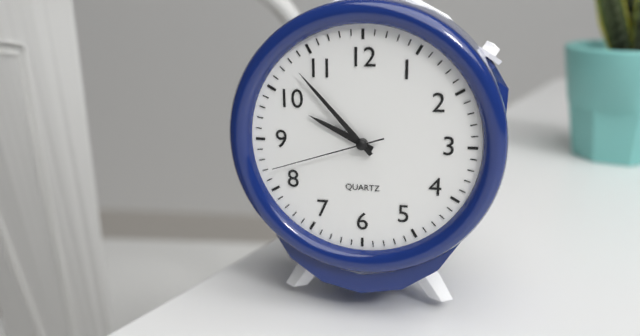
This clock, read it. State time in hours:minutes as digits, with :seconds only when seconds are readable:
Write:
9:53:42
